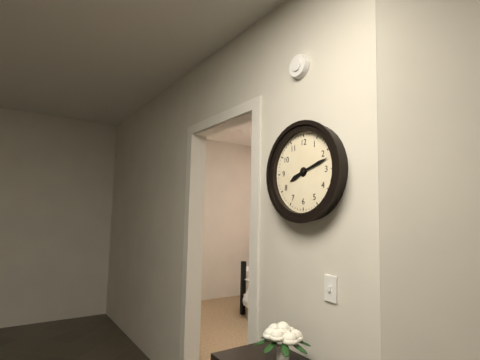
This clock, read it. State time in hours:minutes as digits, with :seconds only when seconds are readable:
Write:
8:12
